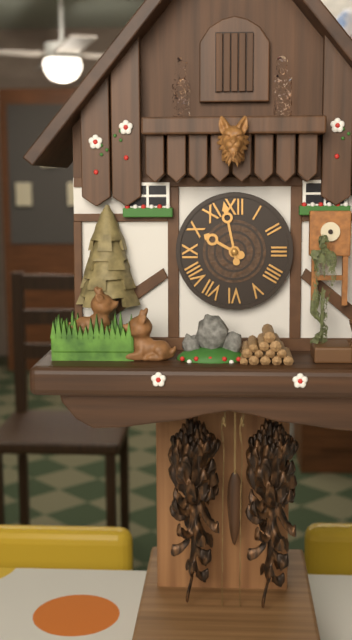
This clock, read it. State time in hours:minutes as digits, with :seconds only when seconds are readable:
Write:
9:58
